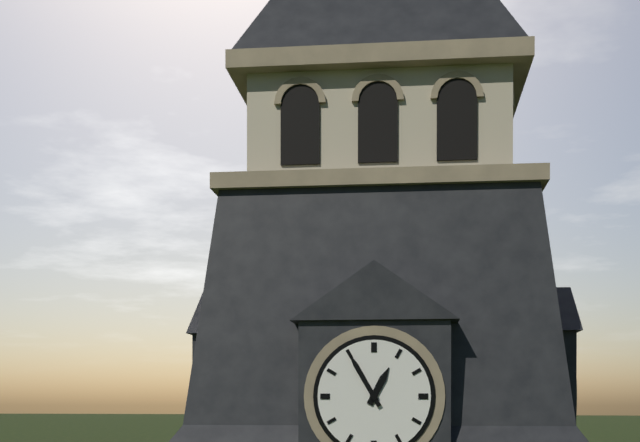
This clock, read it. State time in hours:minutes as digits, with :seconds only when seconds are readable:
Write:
12:55
